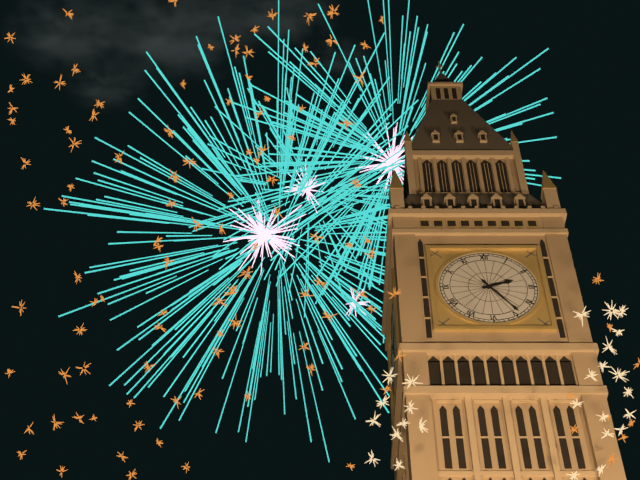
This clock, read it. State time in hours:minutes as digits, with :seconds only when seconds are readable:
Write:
2:24
